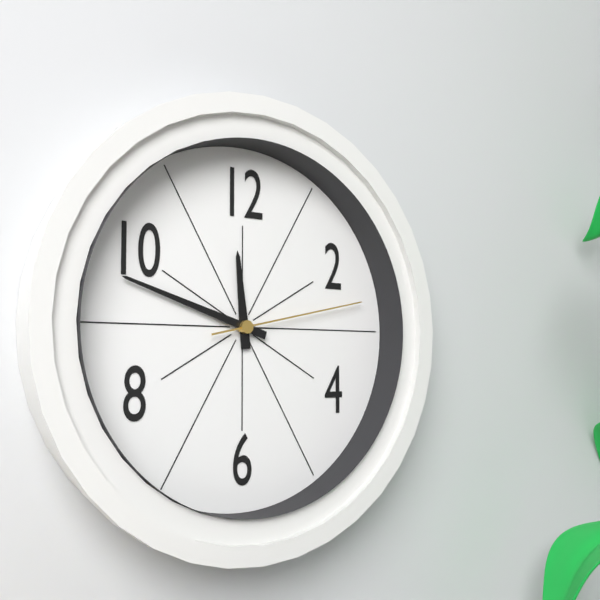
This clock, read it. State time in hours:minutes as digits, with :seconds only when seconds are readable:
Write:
11:48:13
